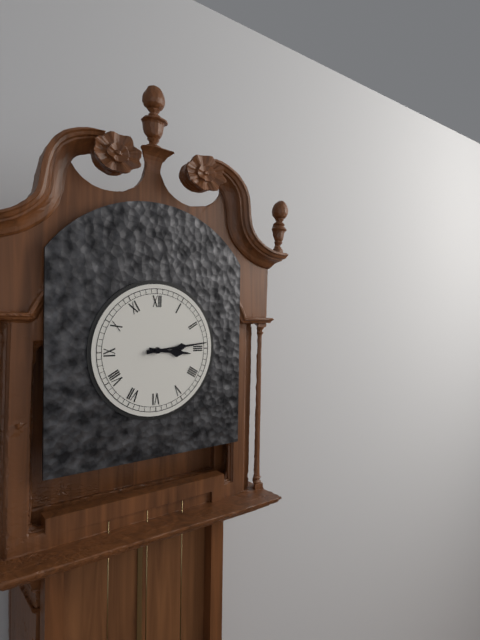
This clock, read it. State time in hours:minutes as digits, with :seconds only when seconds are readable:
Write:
3:14
